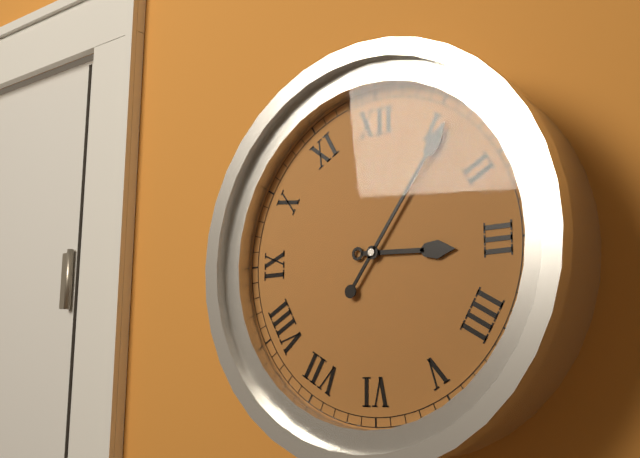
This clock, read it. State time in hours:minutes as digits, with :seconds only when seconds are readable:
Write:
3:06
